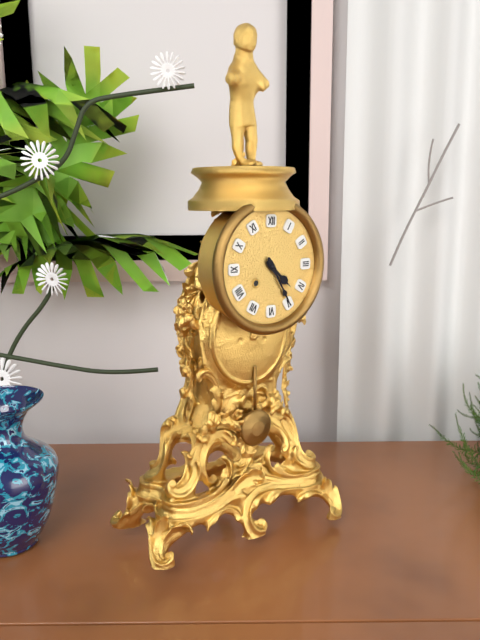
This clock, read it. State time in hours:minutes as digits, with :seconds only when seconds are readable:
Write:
4:25
